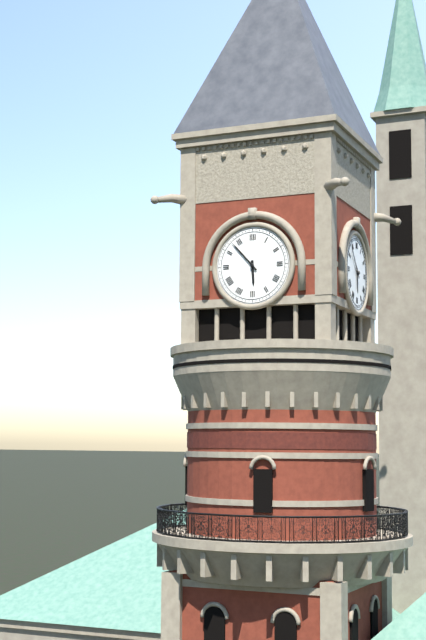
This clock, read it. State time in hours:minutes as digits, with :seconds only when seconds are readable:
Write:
5:53
